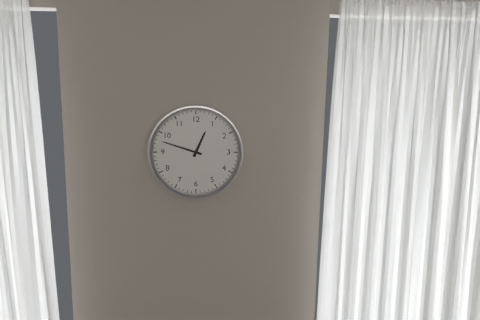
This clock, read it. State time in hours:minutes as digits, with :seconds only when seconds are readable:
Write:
12:48
